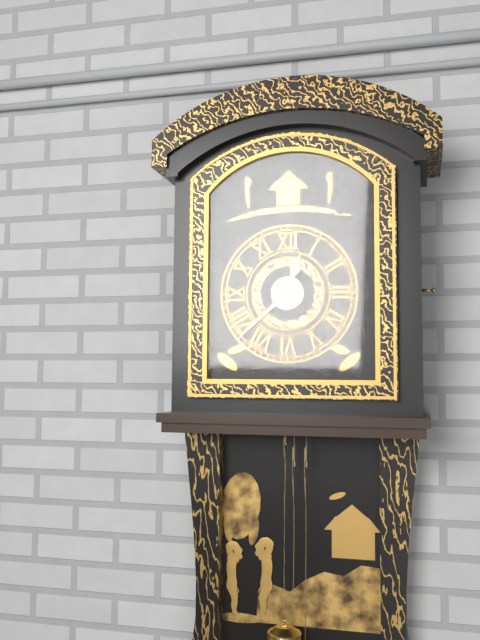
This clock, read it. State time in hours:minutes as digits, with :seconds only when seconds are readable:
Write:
12:38
